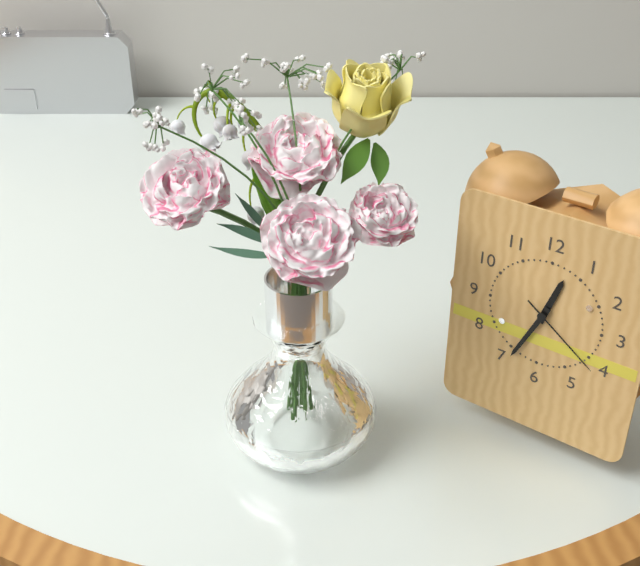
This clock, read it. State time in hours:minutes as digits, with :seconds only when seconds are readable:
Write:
12:34:21
